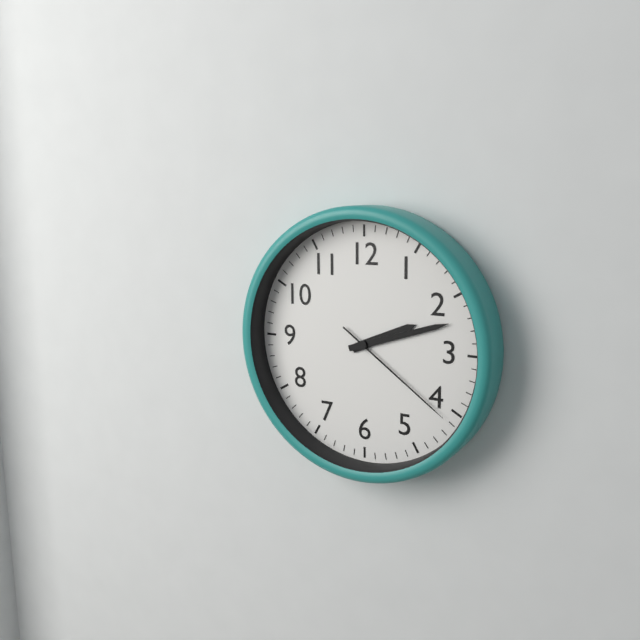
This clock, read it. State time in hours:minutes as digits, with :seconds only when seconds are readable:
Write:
2:12:21
